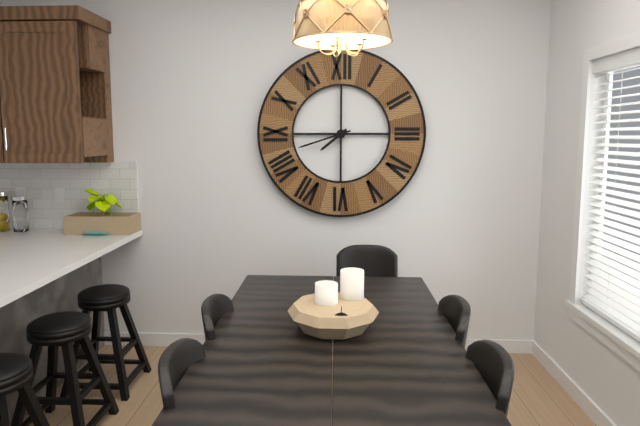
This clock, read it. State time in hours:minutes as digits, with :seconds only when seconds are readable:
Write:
7:42
